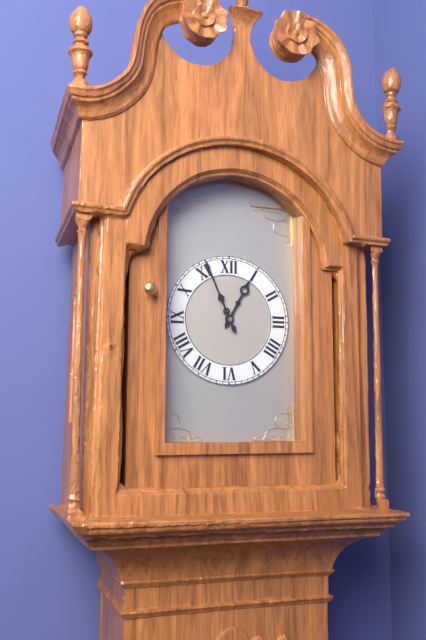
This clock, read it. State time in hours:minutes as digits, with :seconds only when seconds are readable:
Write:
12:56
